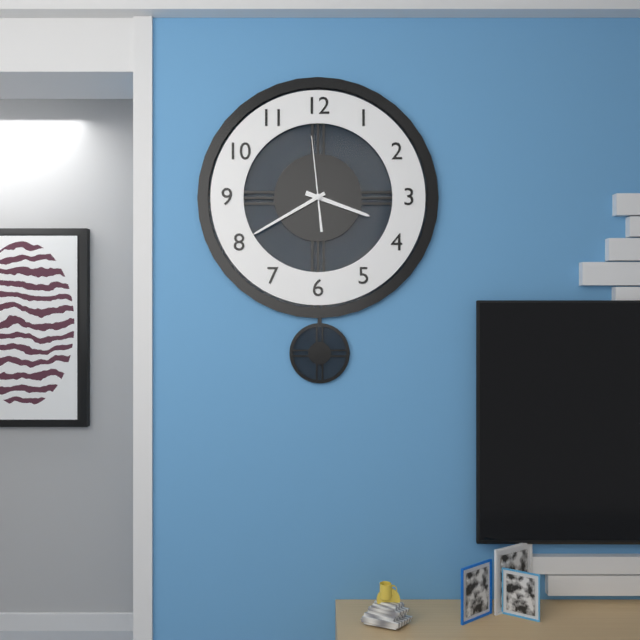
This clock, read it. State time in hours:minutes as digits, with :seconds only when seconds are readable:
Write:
3:40:59
